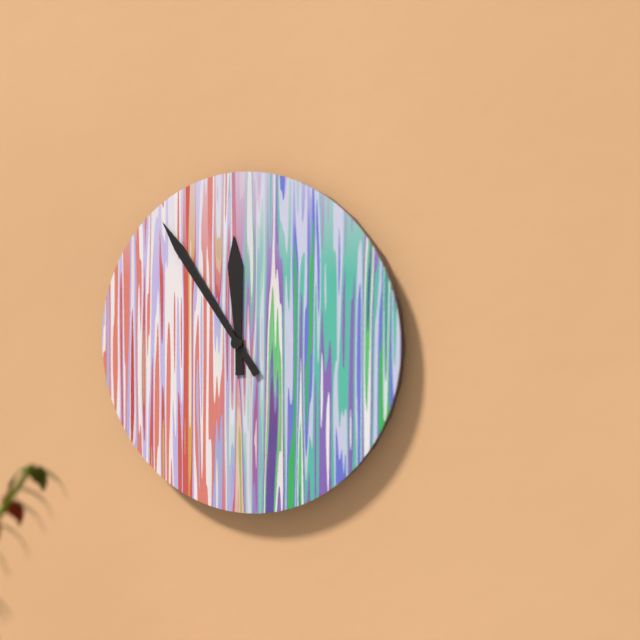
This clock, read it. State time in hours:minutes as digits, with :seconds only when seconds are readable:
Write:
11:54
